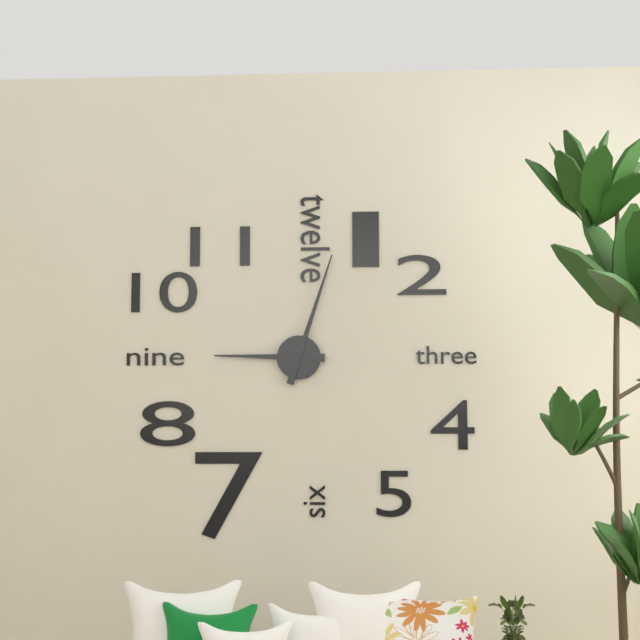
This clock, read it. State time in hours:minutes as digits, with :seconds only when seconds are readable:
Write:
9:03
